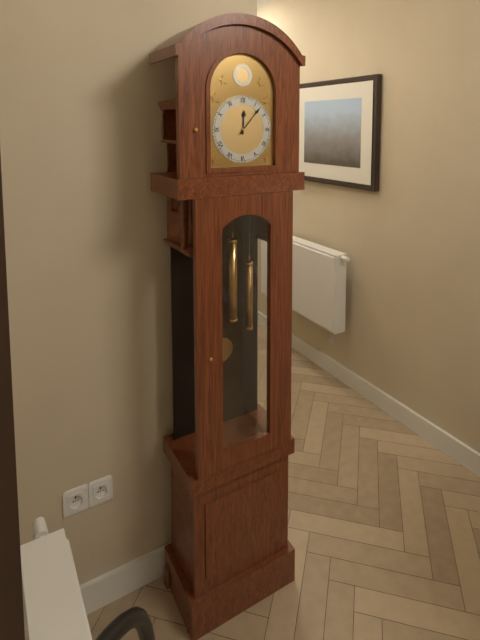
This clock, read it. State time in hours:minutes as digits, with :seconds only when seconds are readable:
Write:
12:07
